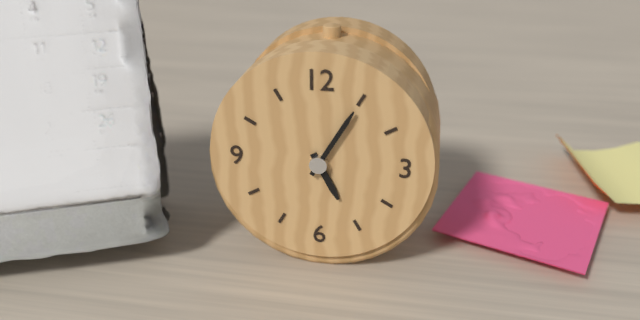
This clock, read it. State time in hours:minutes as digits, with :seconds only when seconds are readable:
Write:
5:05
